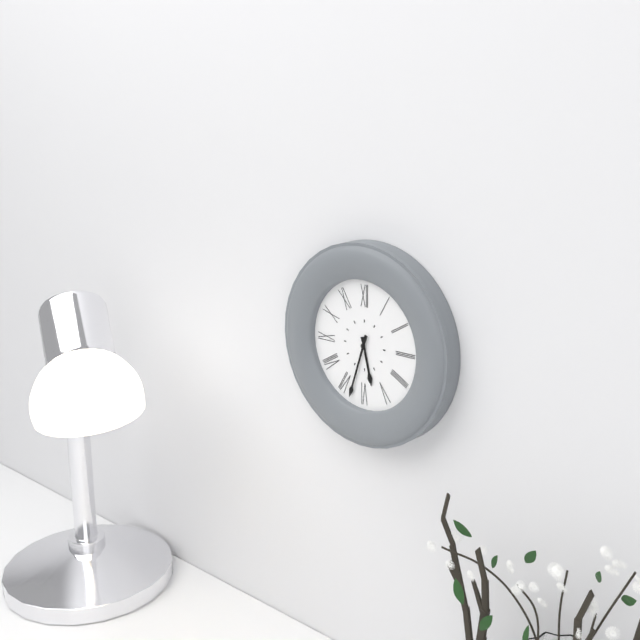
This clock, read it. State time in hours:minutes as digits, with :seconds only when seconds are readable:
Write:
5:33
